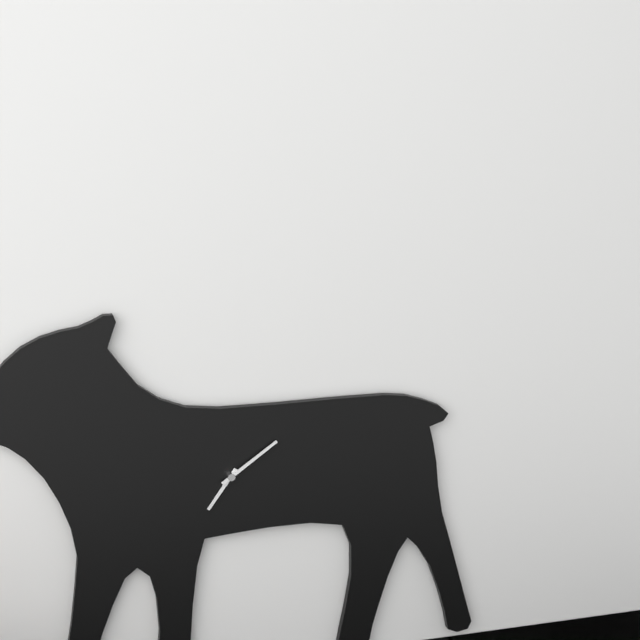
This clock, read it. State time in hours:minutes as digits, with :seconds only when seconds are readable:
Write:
7:09
